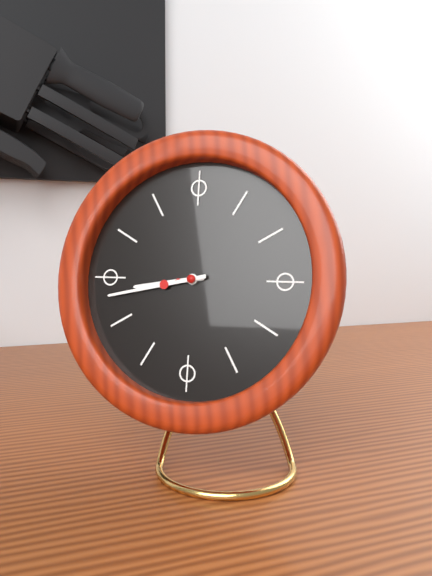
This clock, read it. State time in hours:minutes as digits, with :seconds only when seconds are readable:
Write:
8:43
